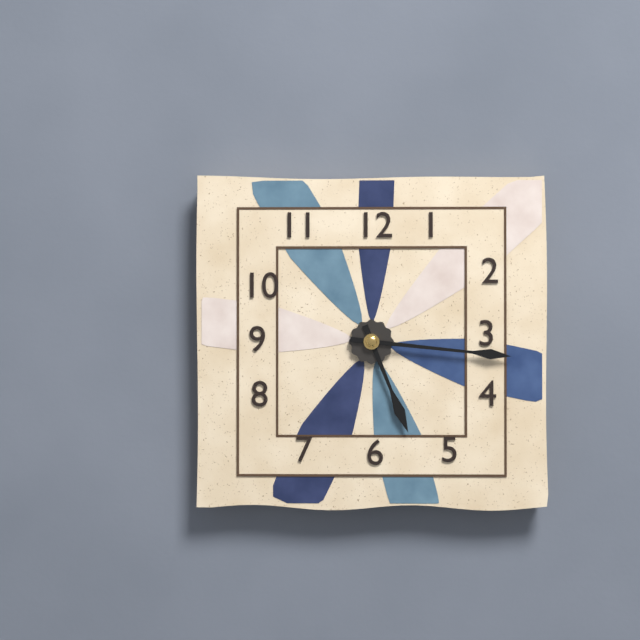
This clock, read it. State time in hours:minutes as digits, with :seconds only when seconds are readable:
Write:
5:16
